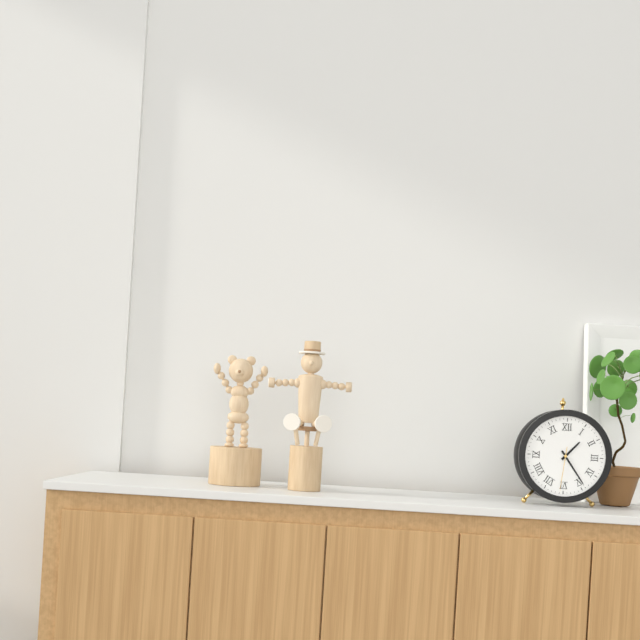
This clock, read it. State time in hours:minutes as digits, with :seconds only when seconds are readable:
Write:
1:24
